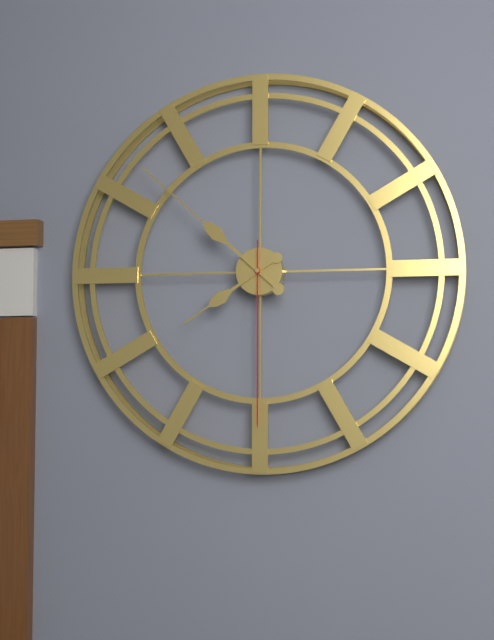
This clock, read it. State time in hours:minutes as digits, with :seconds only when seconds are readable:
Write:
7:52:30
